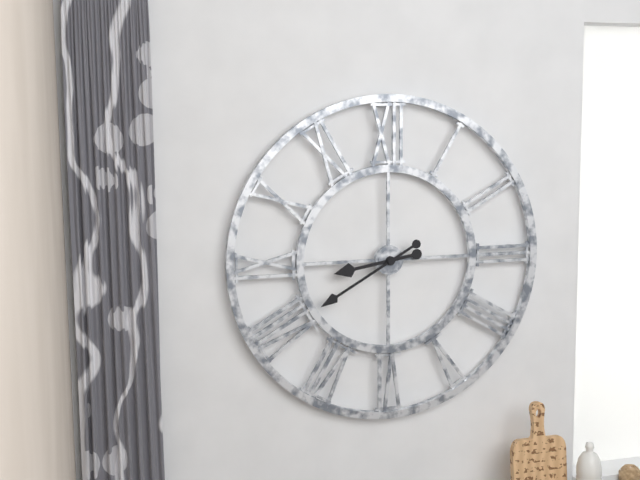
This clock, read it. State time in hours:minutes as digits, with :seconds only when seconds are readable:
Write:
8:40
